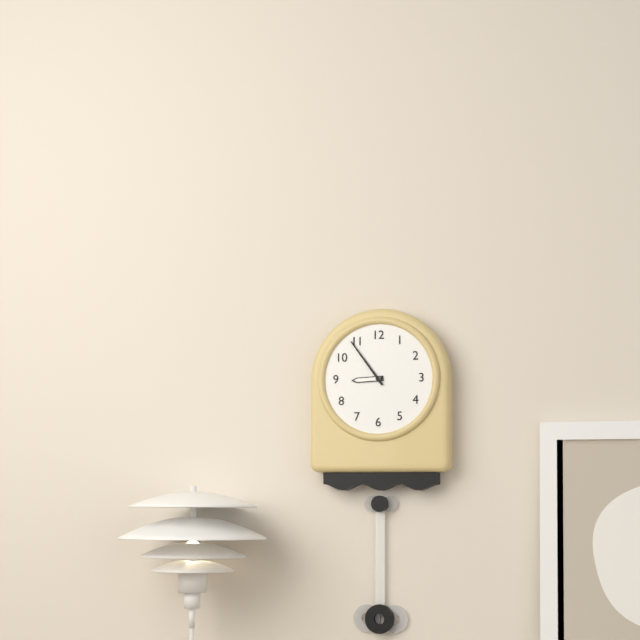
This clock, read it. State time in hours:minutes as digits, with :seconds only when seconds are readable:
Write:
8:54
